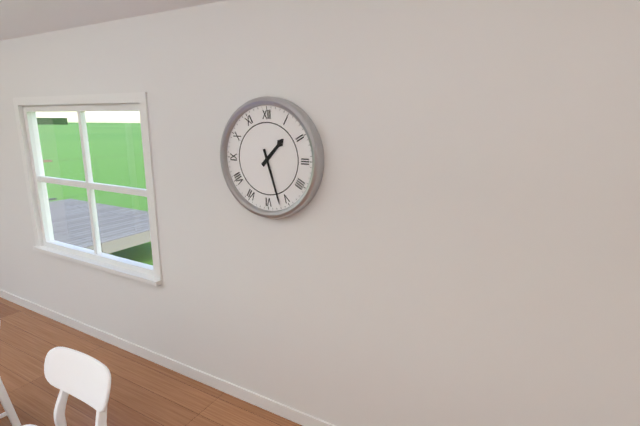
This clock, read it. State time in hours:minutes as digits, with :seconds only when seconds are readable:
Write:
1:27
